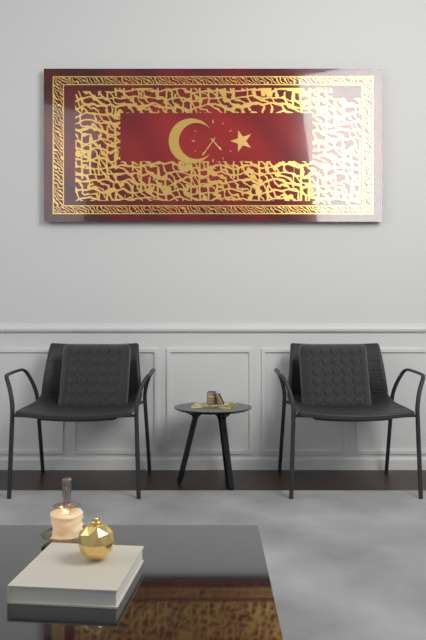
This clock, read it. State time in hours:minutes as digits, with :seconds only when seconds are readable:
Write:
4:36
